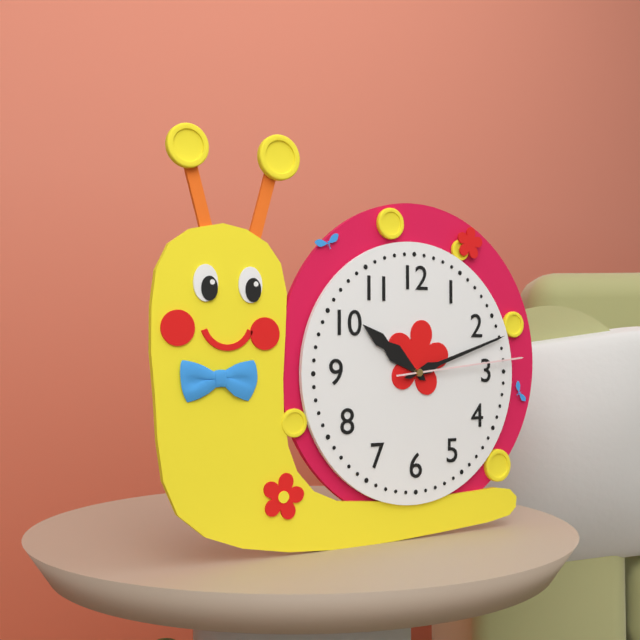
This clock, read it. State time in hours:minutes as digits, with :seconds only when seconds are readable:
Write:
10:12:14
